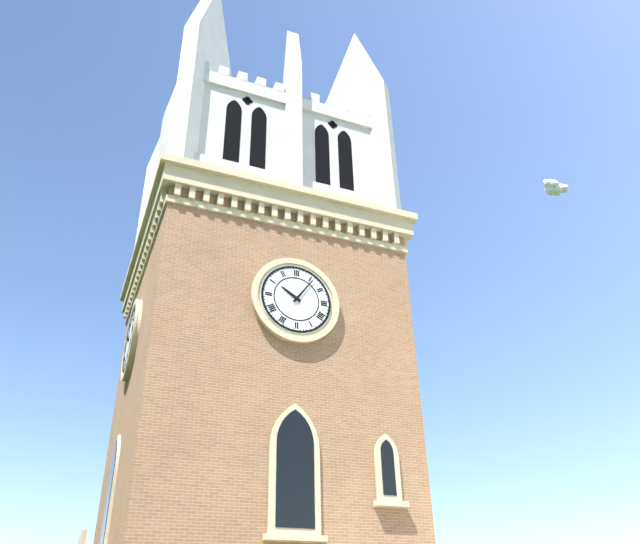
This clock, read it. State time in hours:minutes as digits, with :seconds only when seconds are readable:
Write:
10:06
